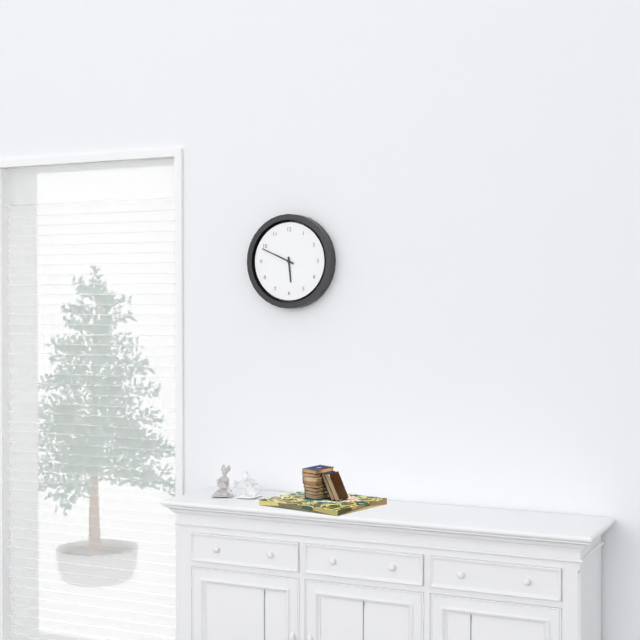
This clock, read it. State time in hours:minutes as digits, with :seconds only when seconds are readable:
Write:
5:49
